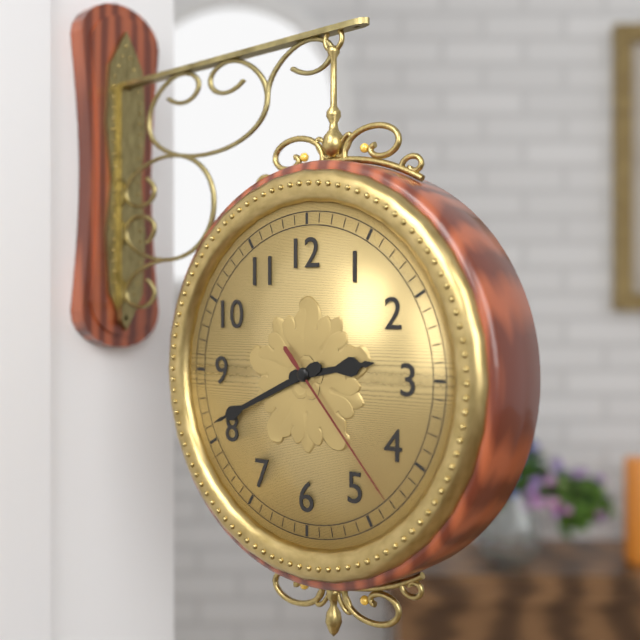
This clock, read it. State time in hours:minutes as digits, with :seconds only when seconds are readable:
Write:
2:41:23
